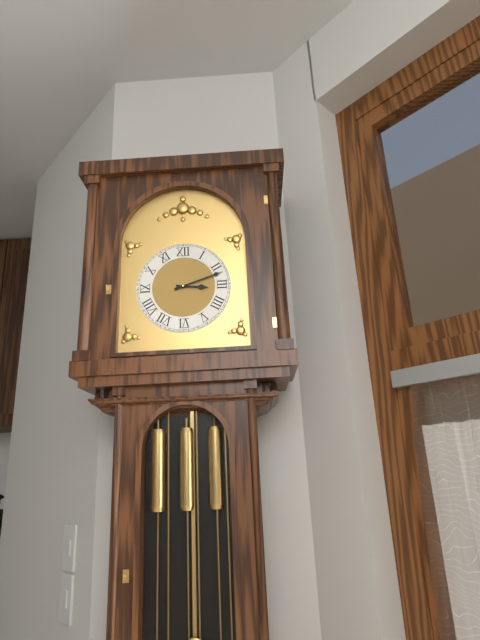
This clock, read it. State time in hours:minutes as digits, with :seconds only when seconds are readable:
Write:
3:12
